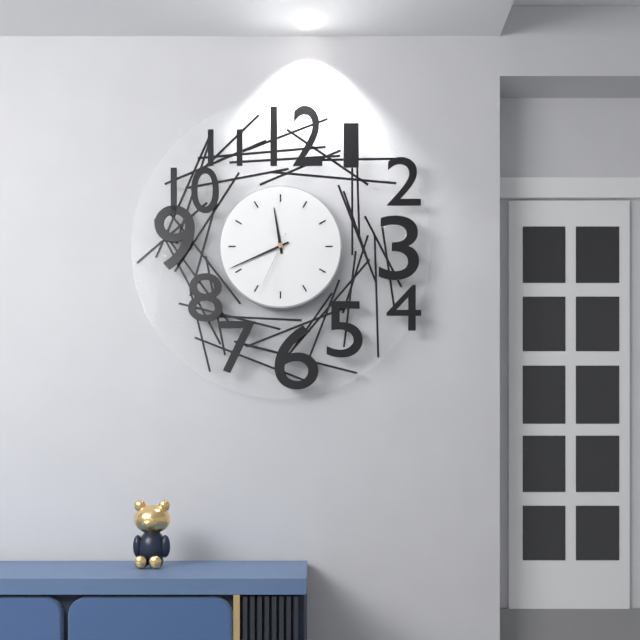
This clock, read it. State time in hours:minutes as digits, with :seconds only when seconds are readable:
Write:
11:41:34
